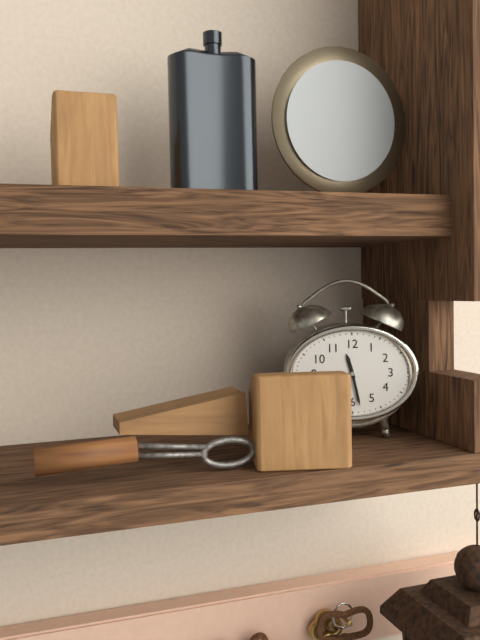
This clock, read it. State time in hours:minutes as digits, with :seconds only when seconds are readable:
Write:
11:28
